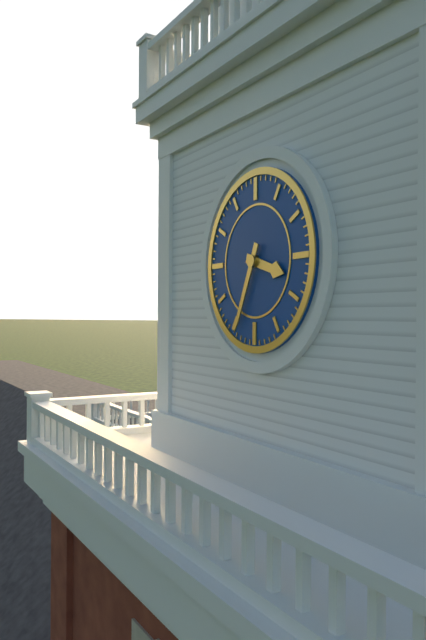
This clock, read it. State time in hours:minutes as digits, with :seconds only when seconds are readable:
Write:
3:34
